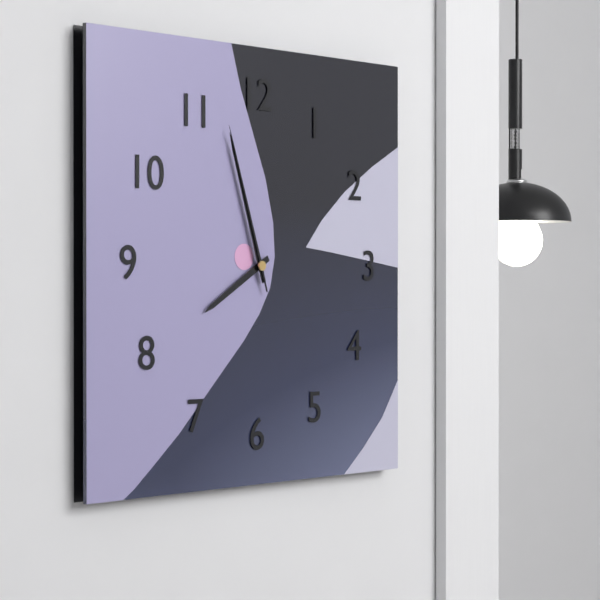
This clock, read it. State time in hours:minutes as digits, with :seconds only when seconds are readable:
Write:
7:57:57
